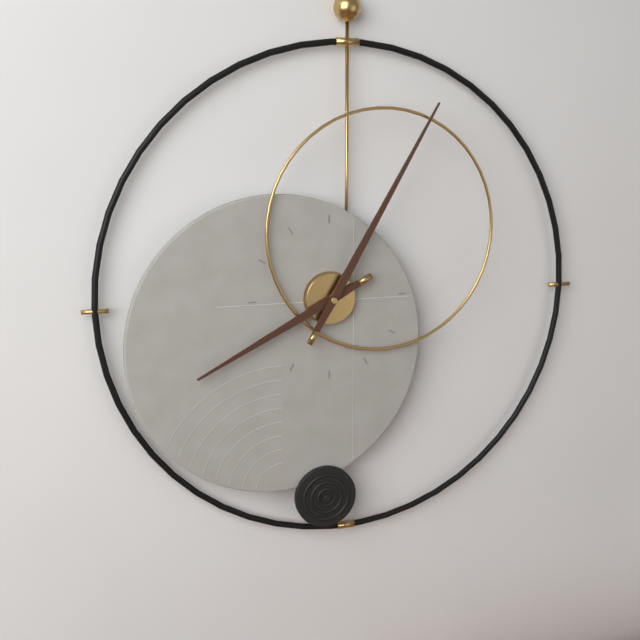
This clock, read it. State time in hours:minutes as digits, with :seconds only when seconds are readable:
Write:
8:05
